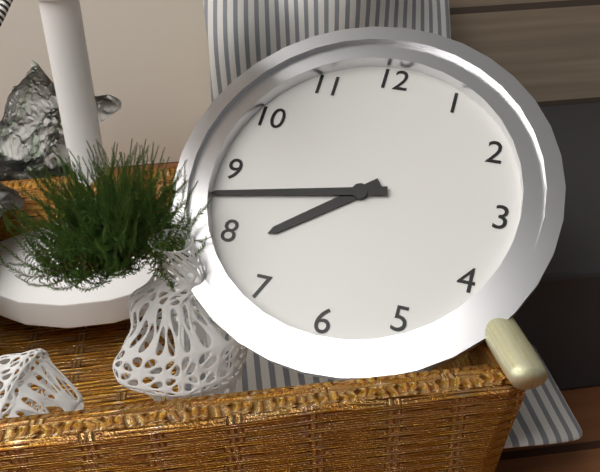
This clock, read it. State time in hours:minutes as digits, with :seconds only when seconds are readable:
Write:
7:43
